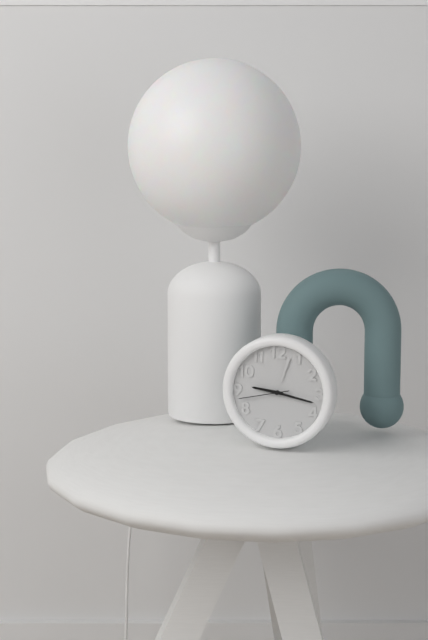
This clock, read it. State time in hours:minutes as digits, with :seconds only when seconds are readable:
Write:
9:17:43
